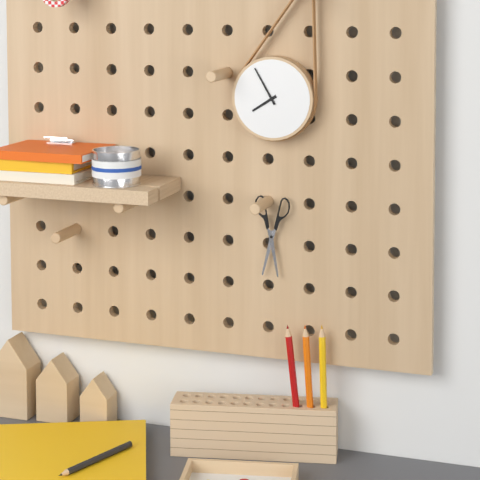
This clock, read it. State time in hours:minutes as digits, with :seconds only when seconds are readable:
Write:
7:55
